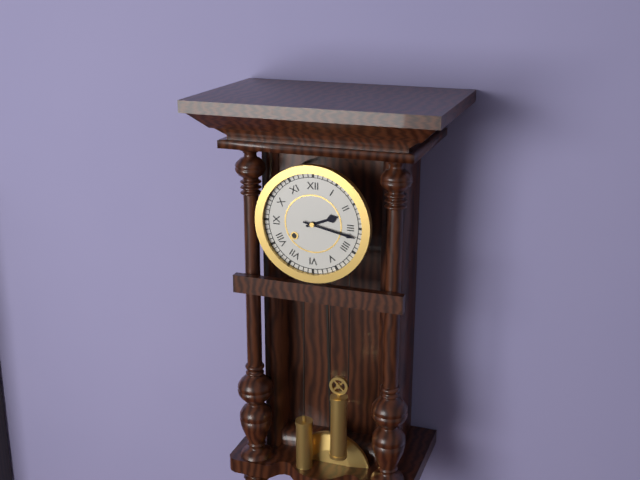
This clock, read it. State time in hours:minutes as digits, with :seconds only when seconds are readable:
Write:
2:17
